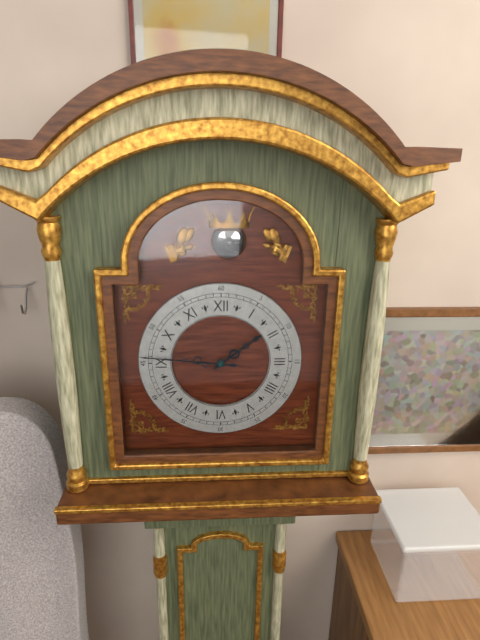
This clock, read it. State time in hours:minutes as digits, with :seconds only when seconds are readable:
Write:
1:46
